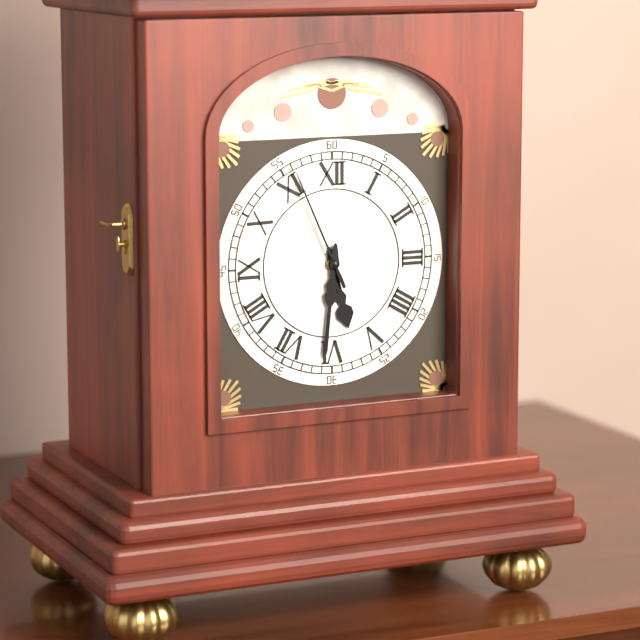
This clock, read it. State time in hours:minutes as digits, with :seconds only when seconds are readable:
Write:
5:31:56
